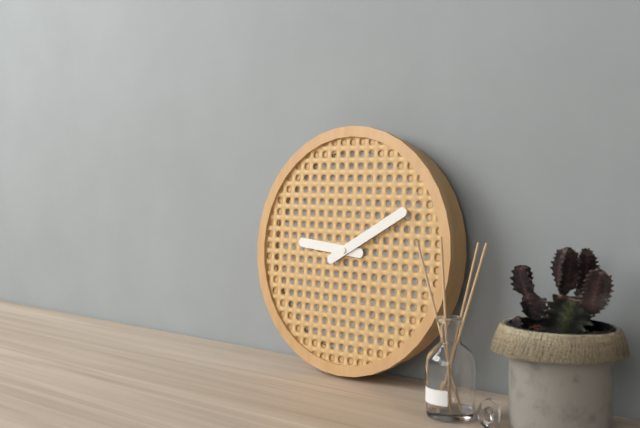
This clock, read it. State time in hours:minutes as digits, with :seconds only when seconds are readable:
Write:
9:10
